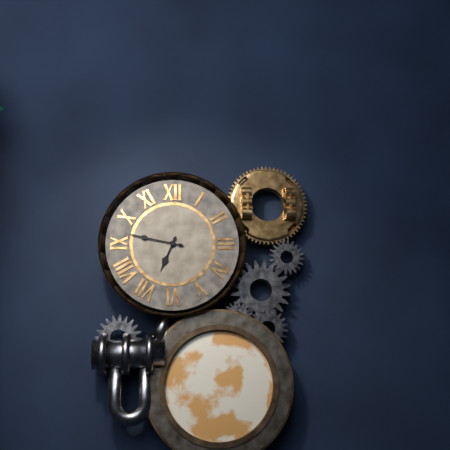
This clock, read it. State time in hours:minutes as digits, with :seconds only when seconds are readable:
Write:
6:47
